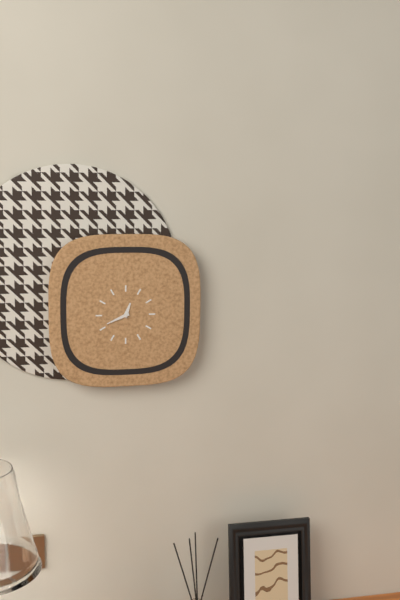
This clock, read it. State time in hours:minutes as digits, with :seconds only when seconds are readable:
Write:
12:41
